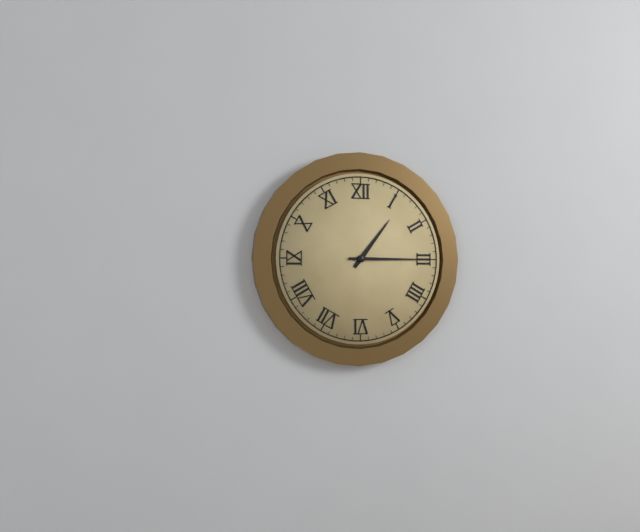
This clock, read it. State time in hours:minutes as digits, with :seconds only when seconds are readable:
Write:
1:15
